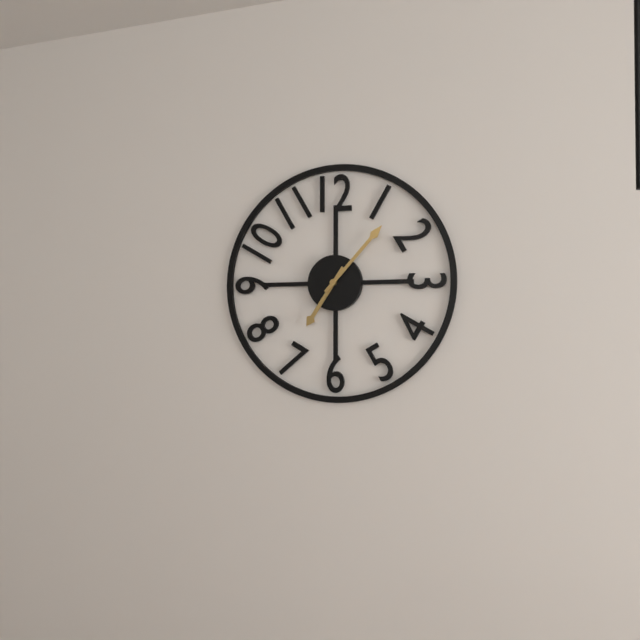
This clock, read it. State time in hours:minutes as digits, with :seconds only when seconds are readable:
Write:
7:07
